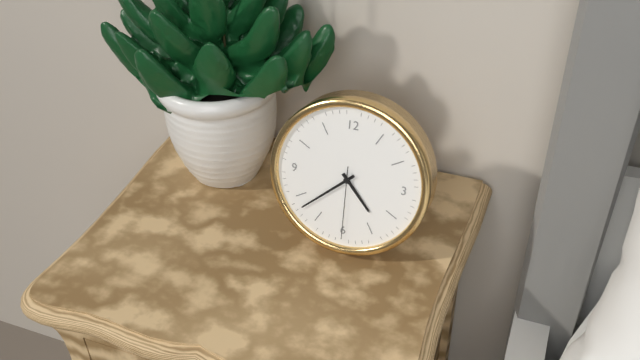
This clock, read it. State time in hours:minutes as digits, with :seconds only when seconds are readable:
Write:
4:38:30
